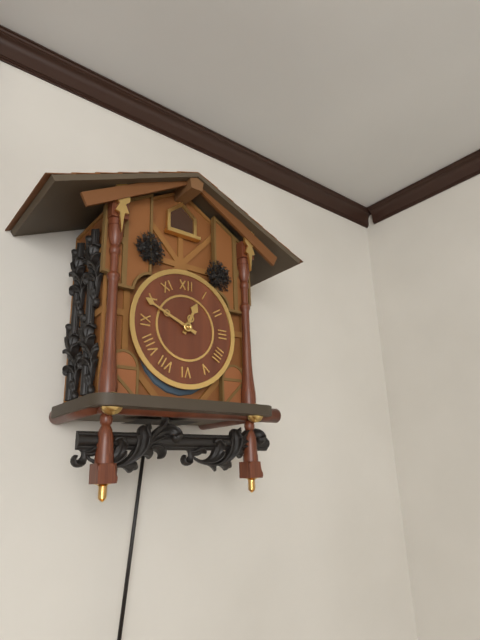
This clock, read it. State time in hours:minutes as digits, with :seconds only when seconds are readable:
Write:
12:49
